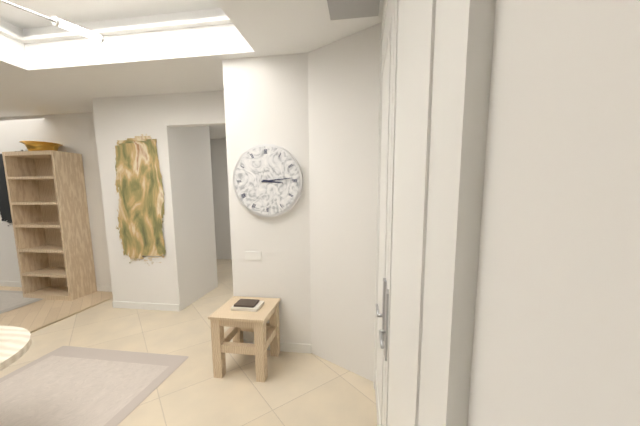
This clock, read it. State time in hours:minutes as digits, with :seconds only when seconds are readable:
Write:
3:14
